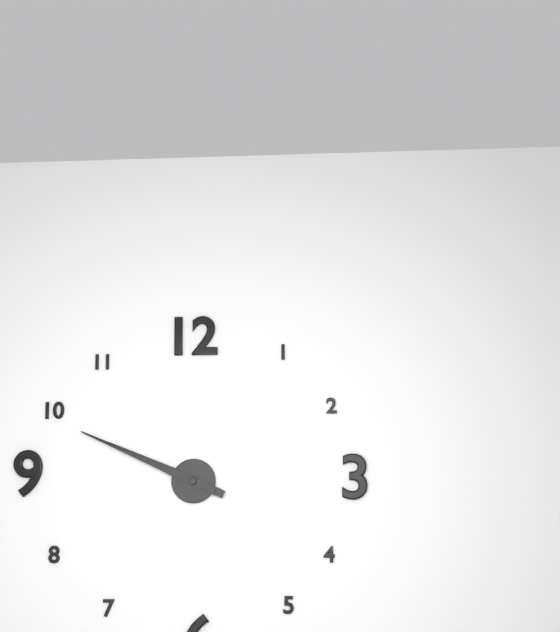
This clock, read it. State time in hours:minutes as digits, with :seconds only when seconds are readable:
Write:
9:49
